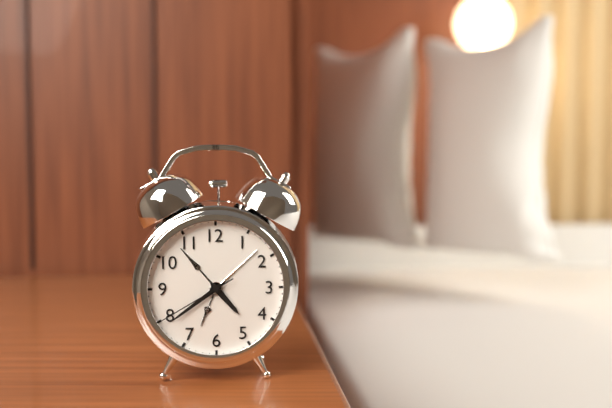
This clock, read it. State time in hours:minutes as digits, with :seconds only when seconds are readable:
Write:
4:39:40
